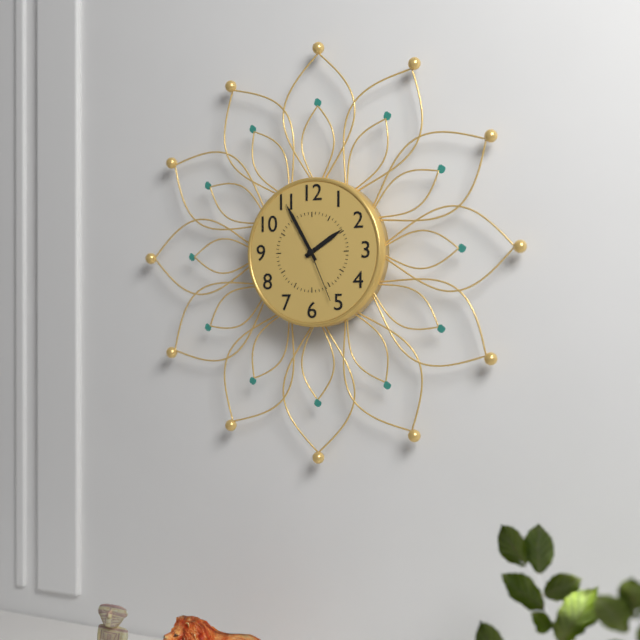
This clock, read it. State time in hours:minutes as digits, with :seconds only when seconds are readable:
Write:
1:55:26
